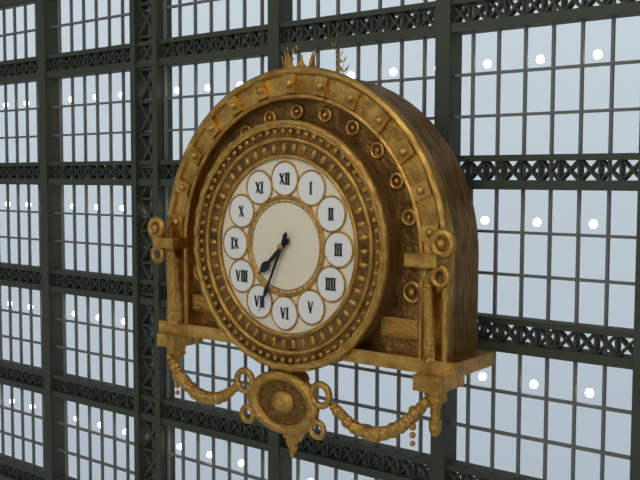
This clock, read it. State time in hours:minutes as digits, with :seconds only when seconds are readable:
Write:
7:34
